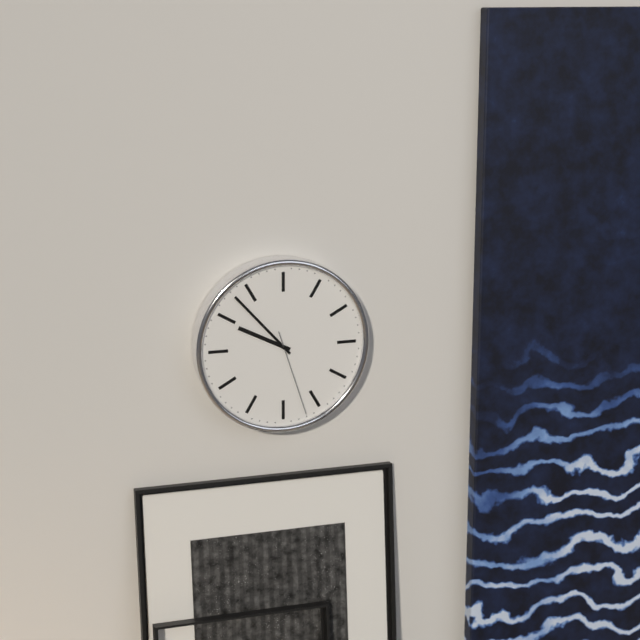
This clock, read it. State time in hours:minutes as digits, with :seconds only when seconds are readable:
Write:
9:53:27
